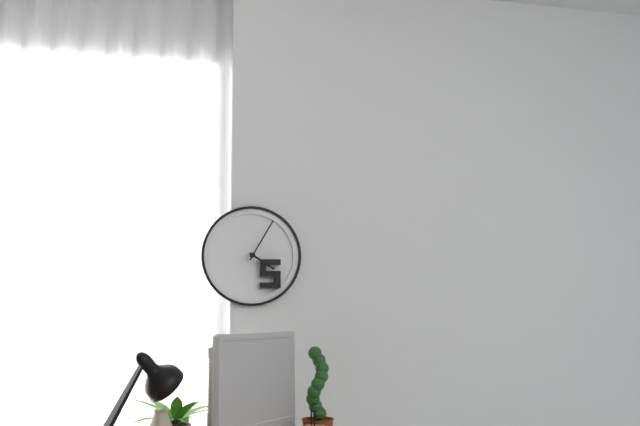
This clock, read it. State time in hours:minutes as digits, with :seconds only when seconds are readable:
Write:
4:05
